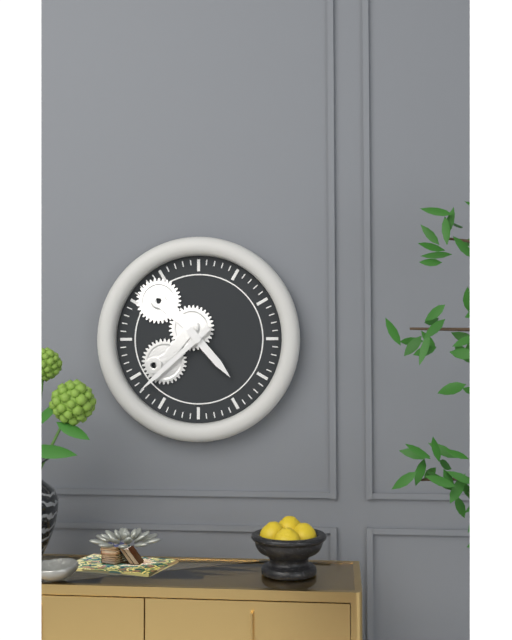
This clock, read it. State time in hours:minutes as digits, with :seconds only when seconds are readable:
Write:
4:38
